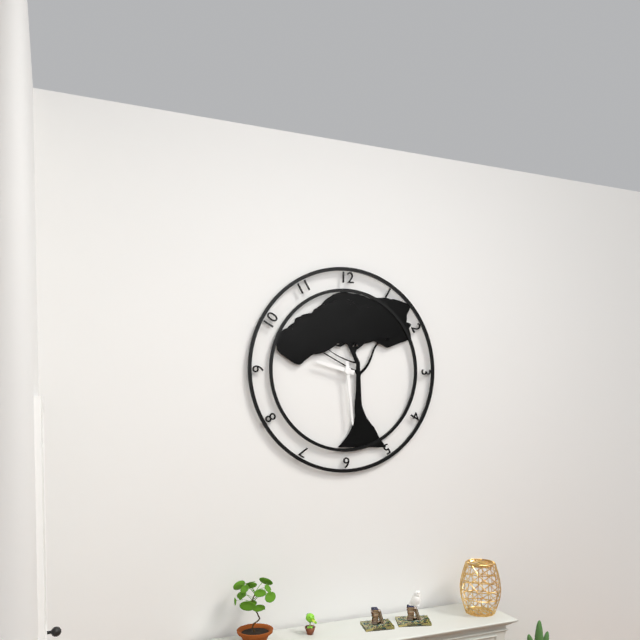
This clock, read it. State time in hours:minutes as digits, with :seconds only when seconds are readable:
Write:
9:29
